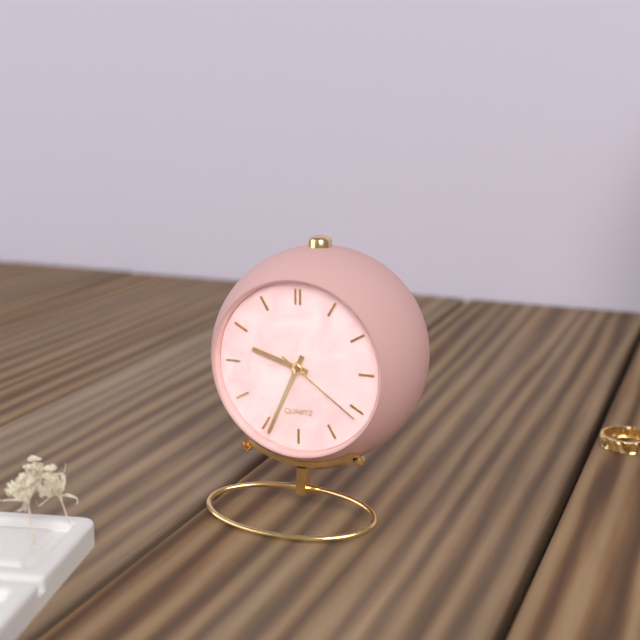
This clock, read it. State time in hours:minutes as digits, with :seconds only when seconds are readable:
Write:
9:34:21
